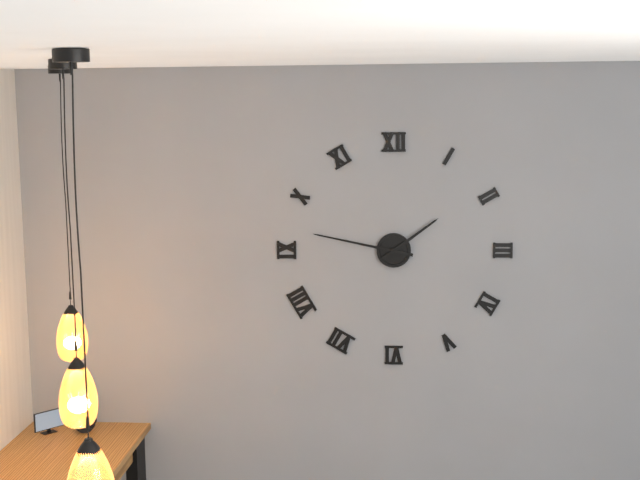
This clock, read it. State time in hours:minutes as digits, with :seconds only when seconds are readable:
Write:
1:47
